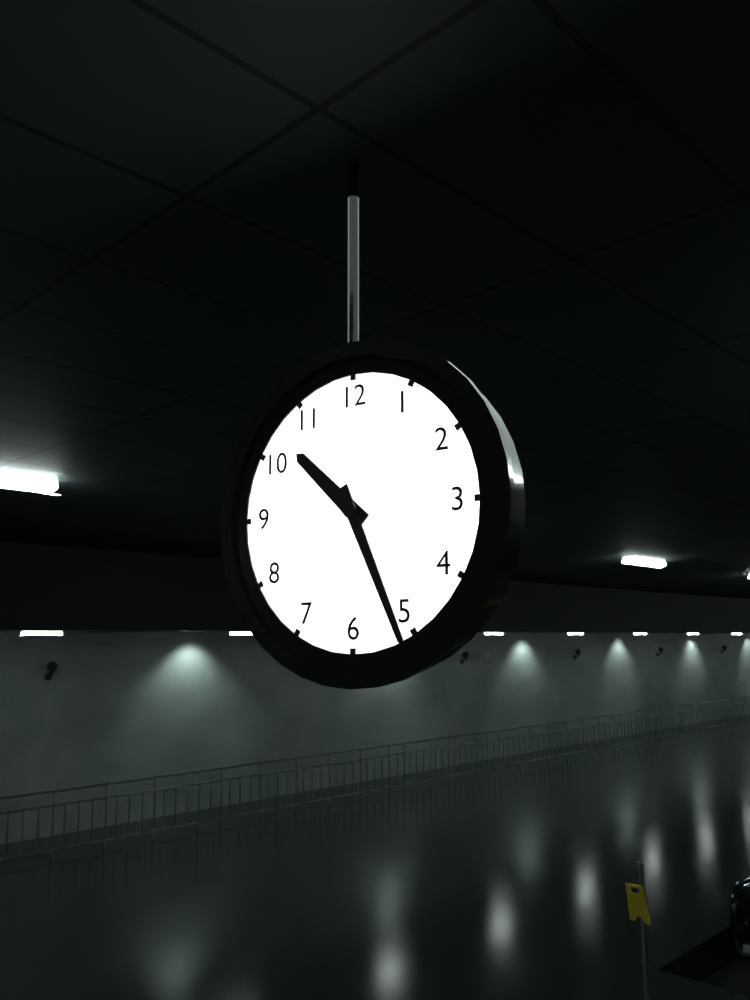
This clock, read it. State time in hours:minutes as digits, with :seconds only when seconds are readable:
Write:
10:26
